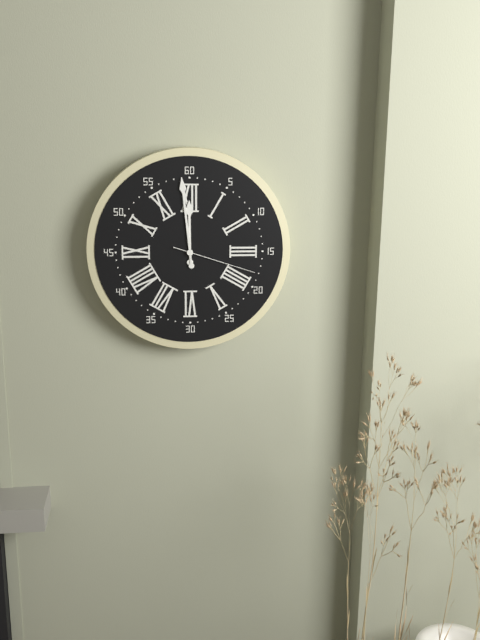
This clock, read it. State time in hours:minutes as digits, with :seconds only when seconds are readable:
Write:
11:59:18
